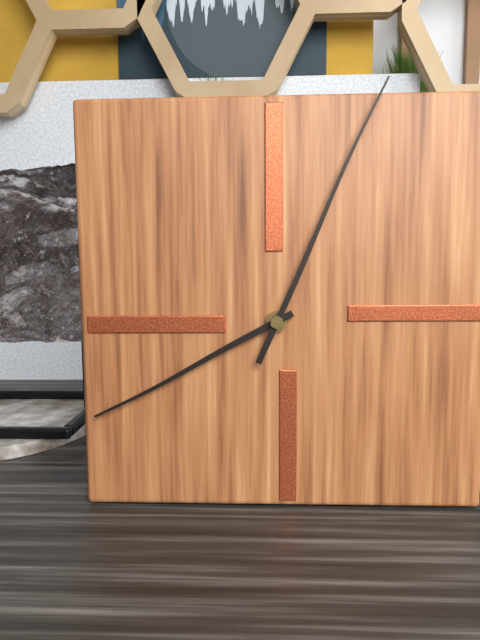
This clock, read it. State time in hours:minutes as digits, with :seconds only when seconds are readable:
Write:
8:04
